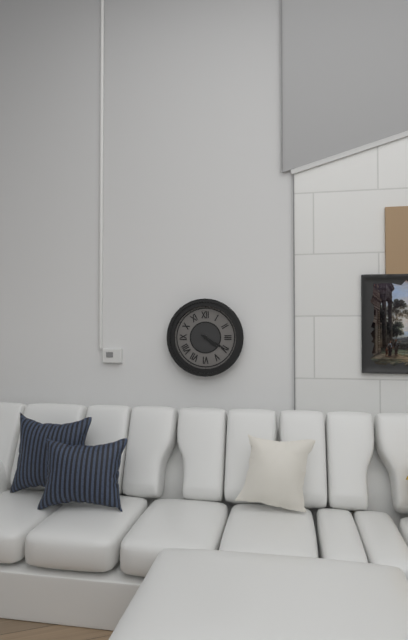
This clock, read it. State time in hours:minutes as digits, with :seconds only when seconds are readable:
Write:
4:20
